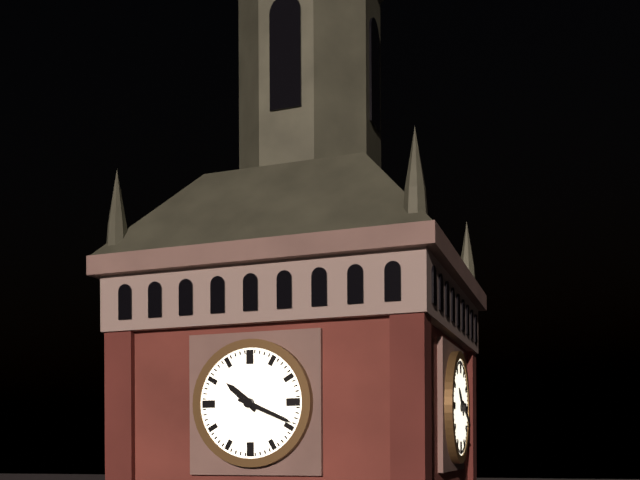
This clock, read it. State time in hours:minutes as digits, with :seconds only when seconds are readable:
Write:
10:19
